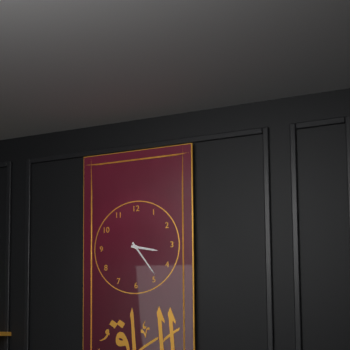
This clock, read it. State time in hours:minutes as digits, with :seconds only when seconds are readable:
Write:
3:24
